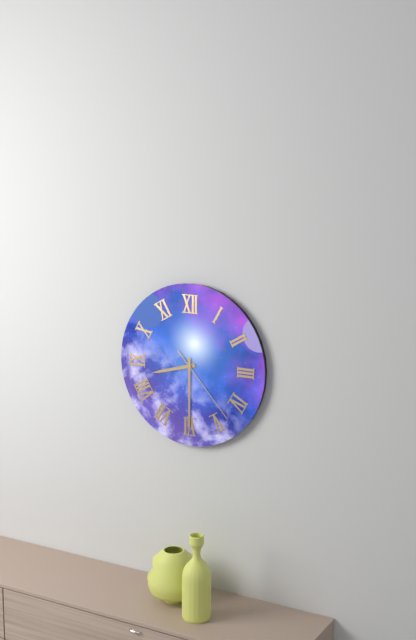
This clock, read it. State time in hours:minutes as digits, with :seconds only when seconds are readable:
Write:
8:30:23
